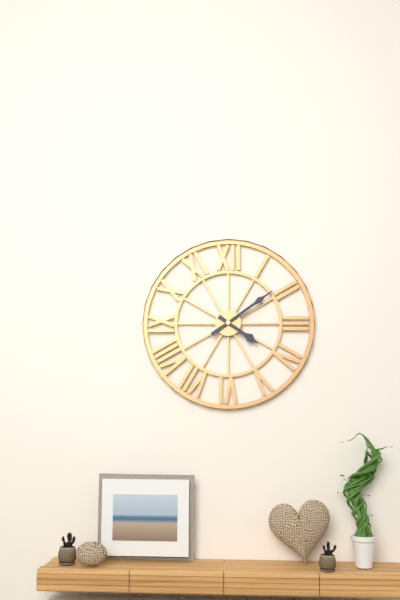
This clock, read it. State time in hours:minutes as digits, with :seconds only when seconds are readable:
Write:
4:09
